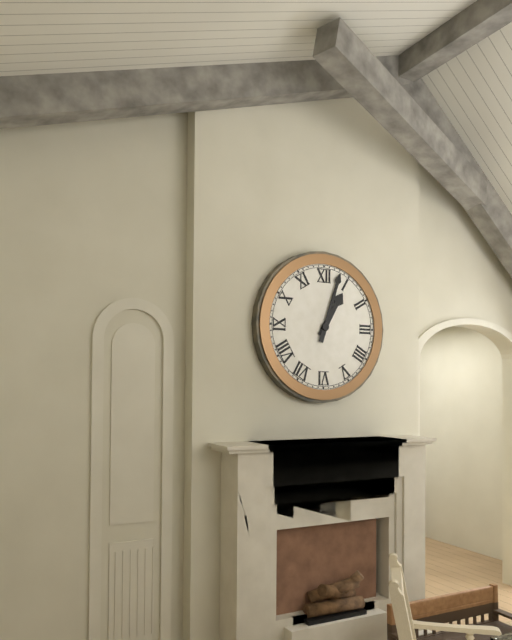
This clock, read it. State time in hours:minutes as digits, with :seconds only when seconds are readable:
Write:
1:03
